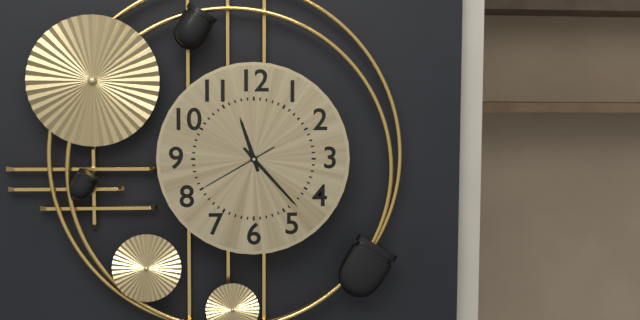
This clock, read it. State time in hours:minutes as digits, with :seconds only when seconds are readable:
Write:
11:23:40
